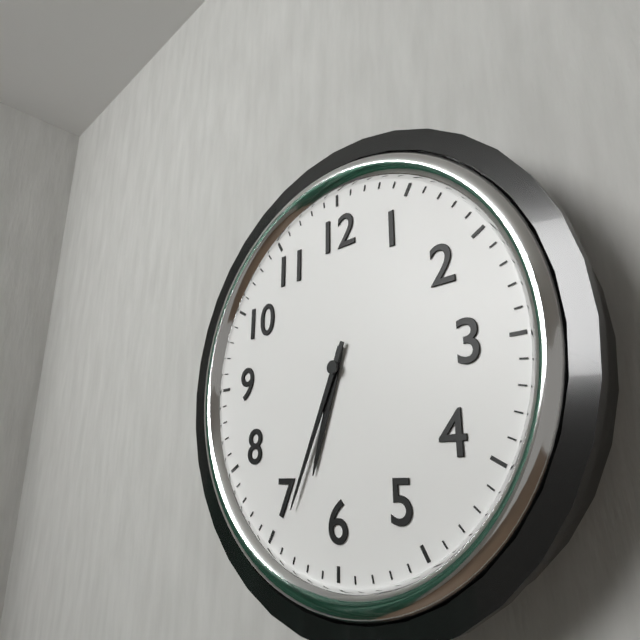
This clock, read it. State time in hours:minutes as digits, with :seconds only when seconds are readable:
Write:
6:34
